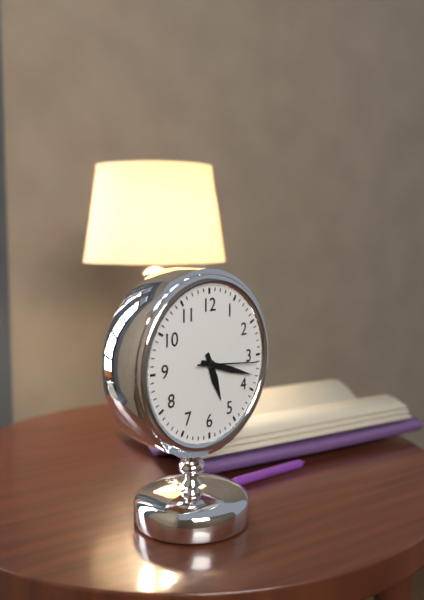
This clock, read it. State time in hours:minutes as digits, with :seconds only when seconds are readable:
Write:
5:18:16
